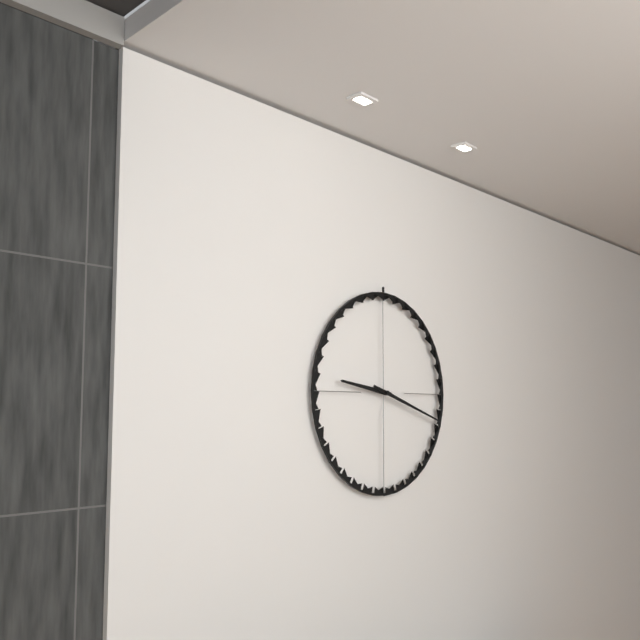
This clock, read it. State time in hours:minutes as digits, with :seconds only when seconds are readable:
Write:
9:18
